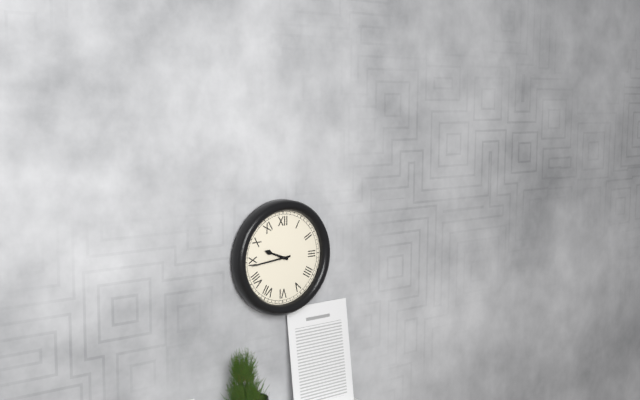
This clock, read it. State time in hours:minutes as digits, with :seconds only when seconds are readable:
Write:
9:44
